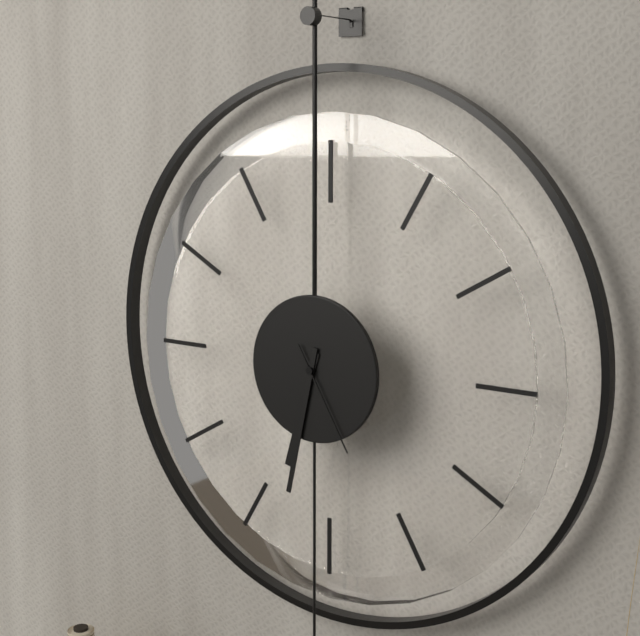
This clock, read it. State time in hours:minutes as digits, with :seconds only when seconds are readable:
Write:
6:32:25
